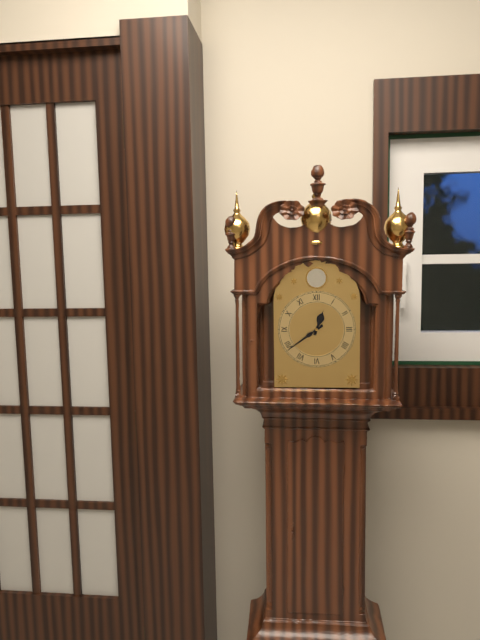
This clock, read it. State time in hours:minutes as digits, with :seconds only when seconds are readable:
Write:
12:39
